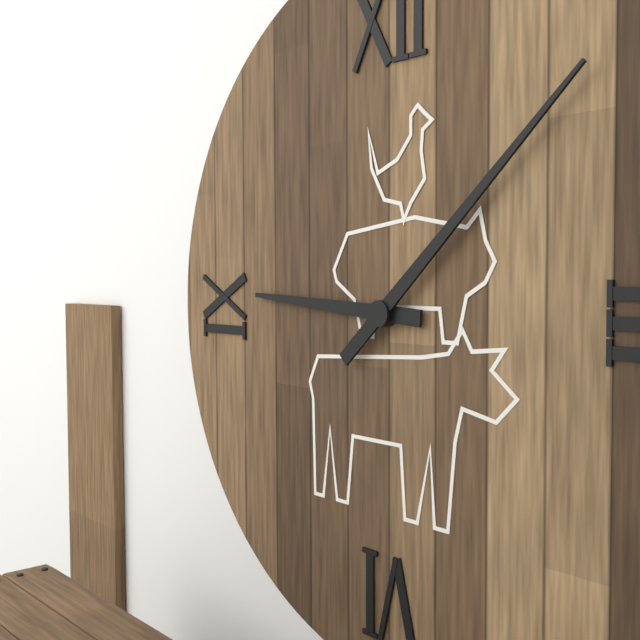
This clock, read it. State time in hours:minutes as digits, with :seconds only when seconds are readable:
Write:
9:08
